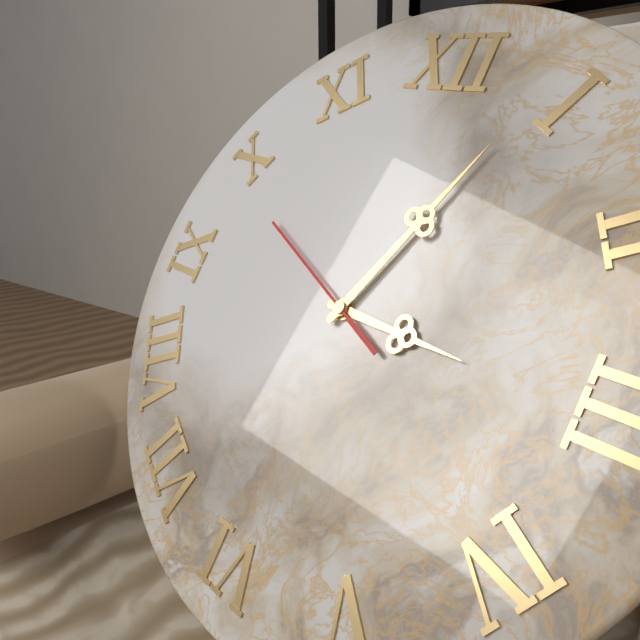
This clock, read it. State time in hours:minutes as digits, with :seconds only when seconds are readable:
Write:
3:04:49
